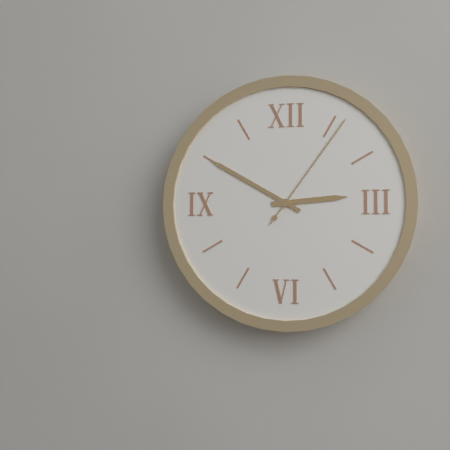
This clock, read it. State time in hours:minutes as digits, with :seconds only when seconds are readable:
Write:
2:50:06
